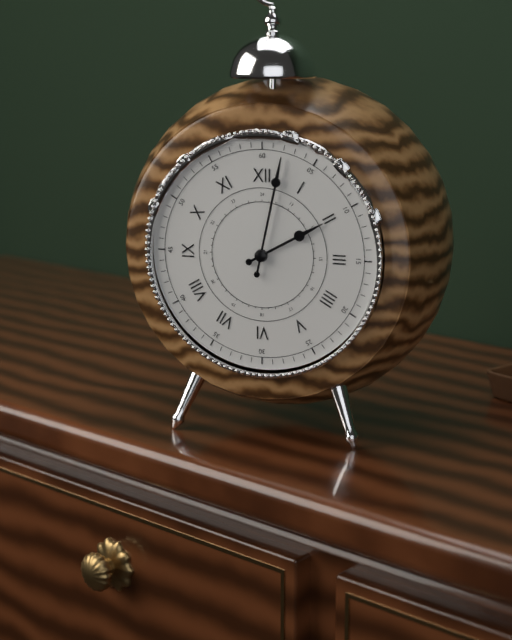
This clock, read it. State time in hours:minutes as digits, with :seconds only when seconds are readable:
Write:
2:02
